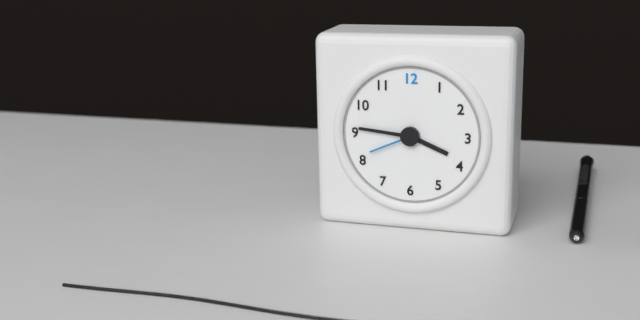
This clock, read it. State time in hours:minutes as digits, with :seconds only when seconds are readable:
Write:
3:46:41
